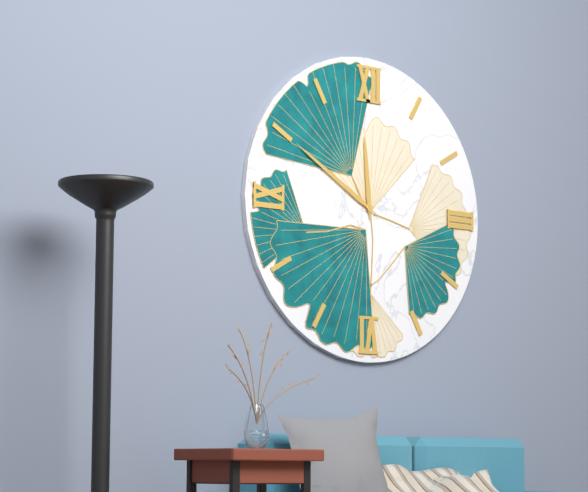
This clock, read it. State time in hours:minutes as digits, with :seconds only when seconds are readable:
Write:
11:50
